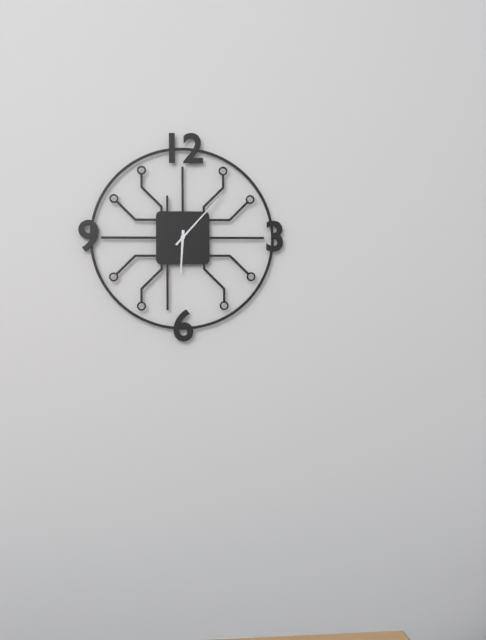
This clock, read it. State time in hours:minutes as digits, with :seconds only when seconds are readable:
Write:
6:07
